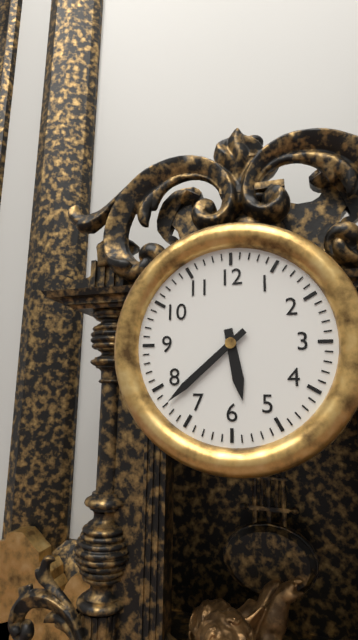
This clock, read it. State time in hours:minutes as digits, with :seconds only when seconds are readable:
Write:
5:38
